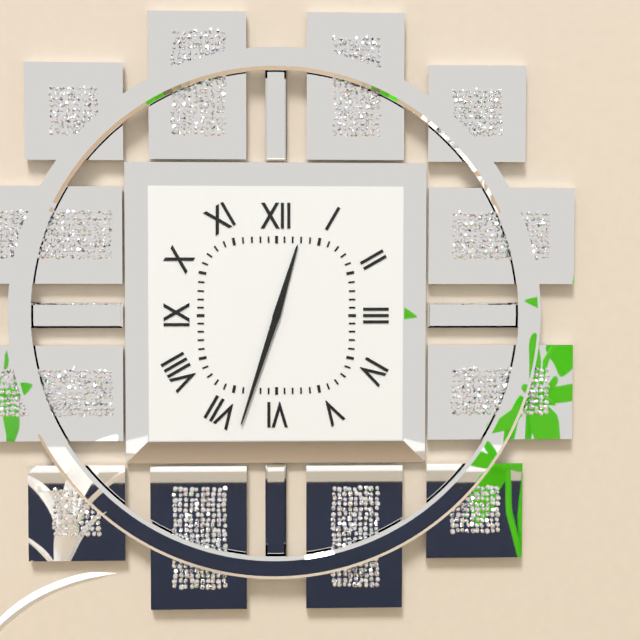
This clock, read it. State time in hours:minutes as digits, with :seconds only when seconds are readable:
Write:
12:33
